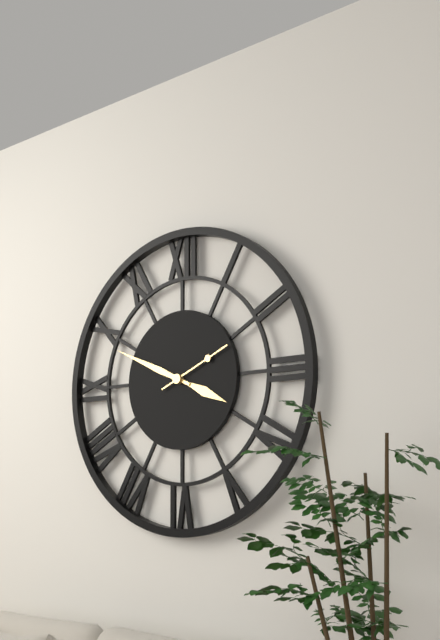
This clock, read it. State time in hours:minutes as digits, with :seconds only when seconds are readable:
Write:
3:49:11
